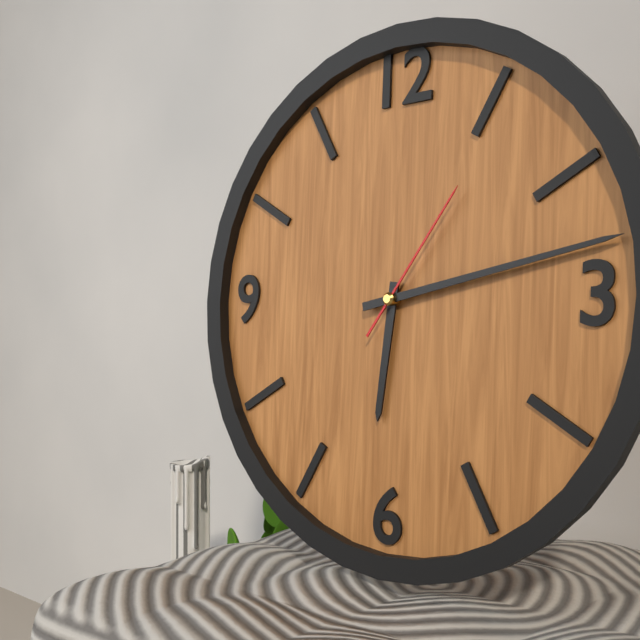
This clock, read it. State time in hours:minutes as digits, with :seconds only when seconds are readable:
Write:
6:13:06
